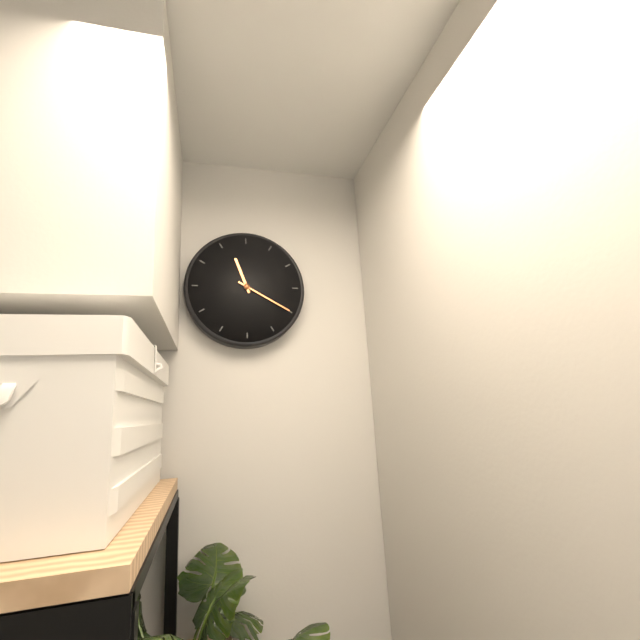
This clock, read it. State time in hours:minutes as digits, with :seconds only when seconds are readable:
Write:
11:20
